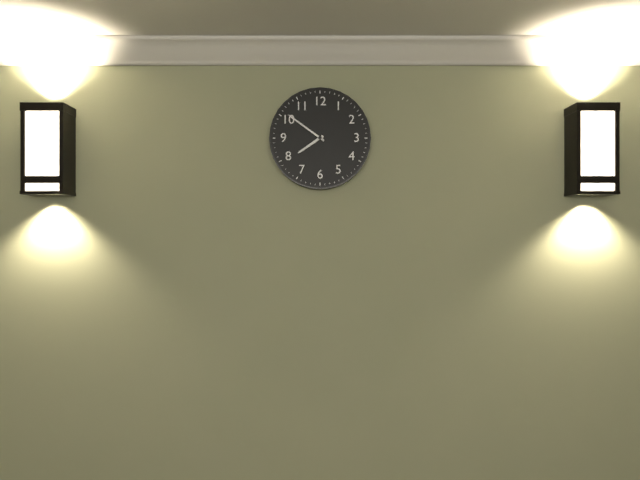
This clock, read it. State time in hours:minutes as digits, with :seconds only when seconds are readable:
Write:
7:51
